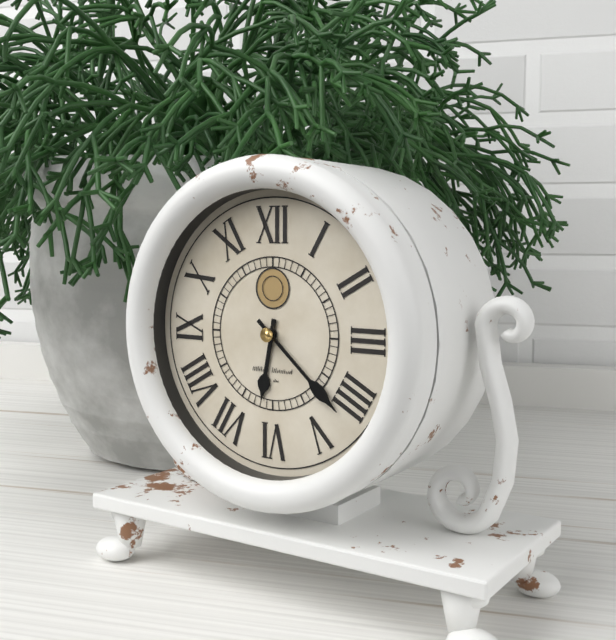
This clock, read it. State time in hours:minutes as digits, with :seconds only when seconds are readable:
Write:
6:22
